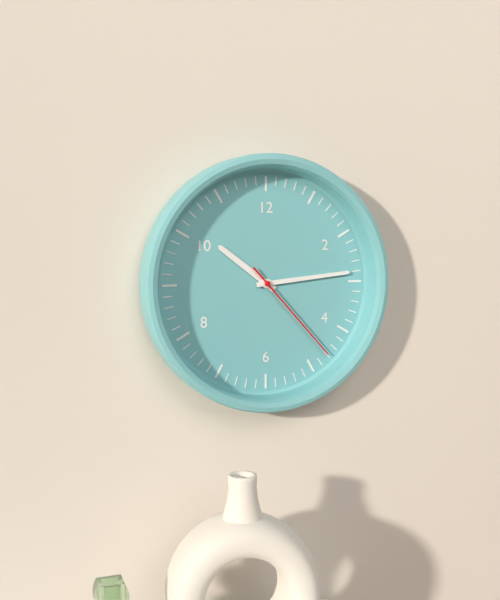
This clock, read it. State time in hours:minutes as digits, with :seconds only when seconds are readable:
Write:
10:14:23
